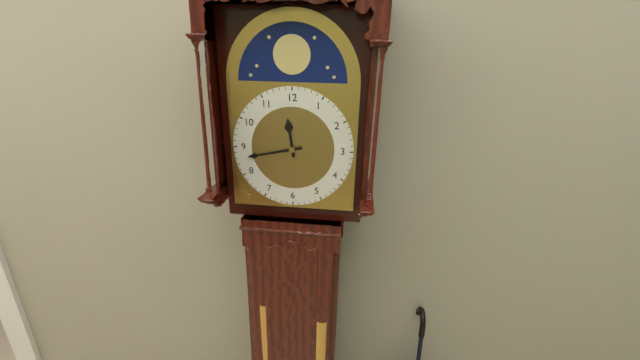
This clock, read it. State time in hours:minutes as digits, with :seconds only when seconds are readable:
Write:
11:43
